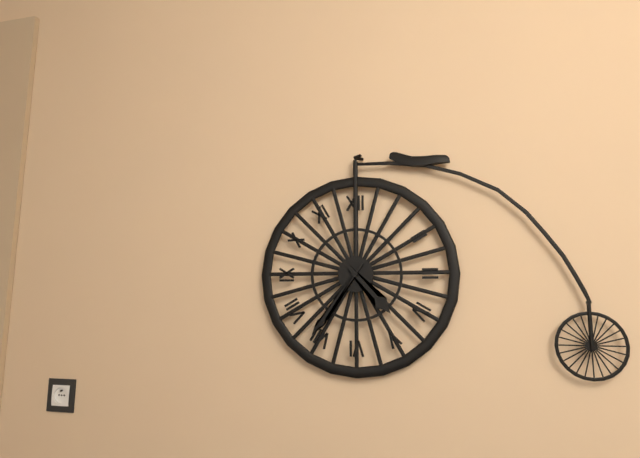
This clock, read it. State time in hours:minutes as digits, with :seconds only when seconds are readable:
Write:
4:36
